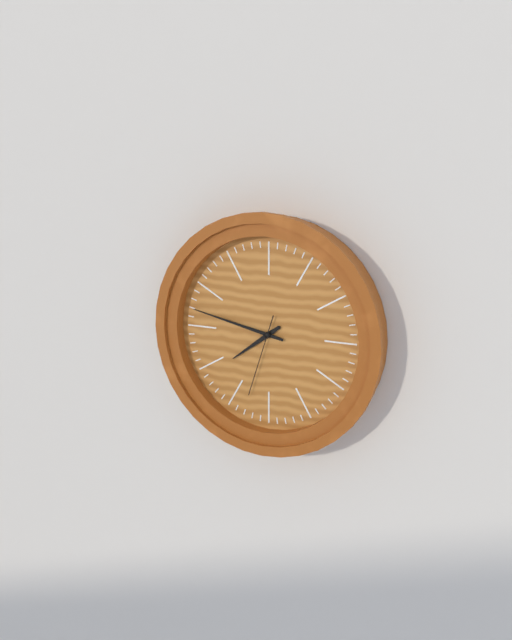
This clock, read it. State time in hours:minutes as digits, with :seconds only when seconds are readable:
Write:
7:47:33
